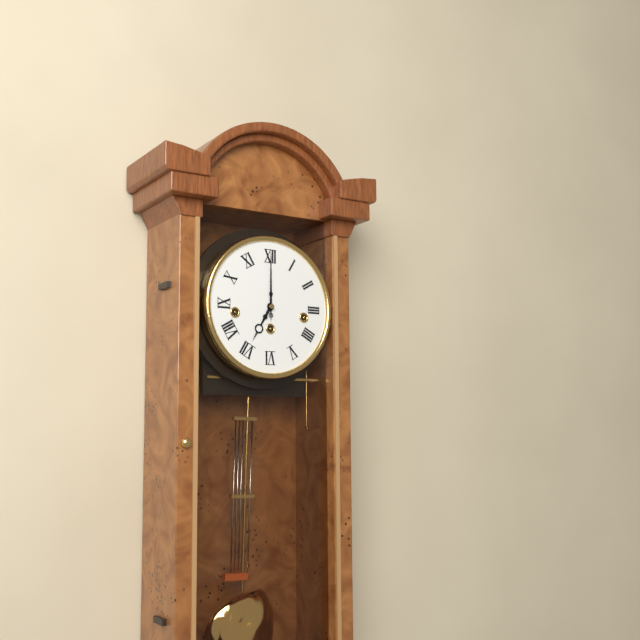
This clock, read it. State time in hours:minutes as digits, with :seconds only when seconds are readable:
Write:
7:00
